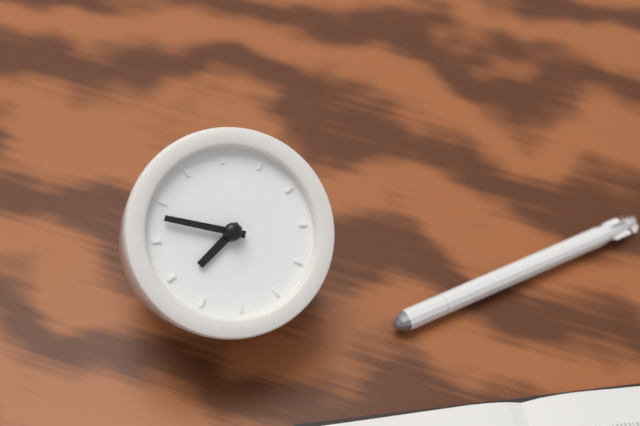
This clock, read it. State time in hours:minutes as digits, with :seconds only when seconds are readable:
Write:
6:43
